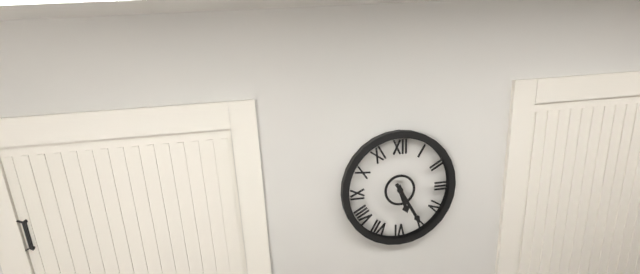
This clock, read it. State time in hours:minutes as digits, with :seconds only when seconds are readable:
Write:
5:25
